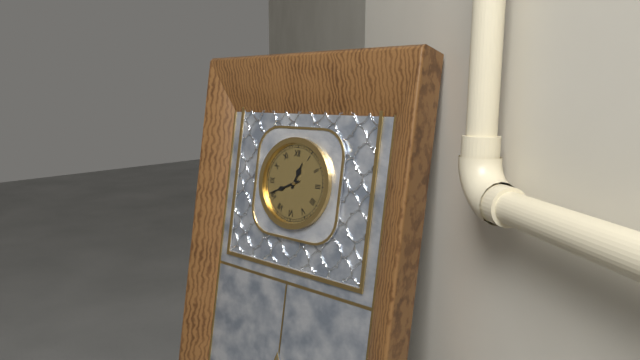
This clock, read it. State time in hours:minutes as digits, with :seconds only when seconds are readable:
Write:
12:41
